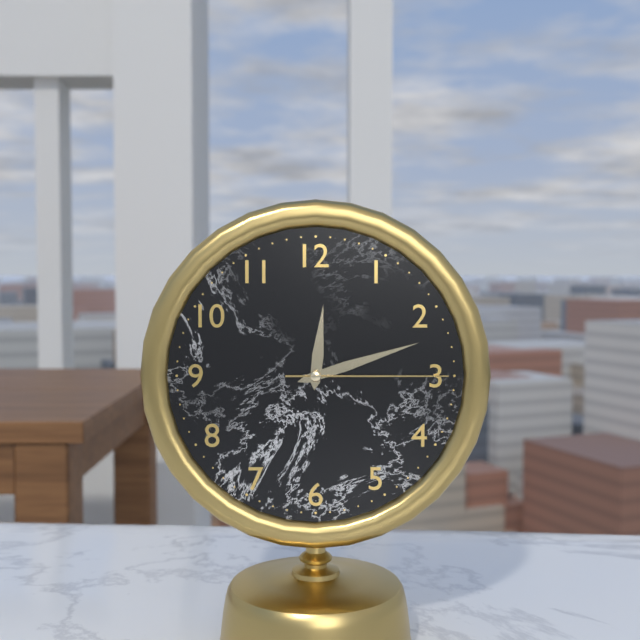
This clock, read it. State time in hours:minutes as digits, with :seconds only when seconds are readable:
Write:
12:12:15
